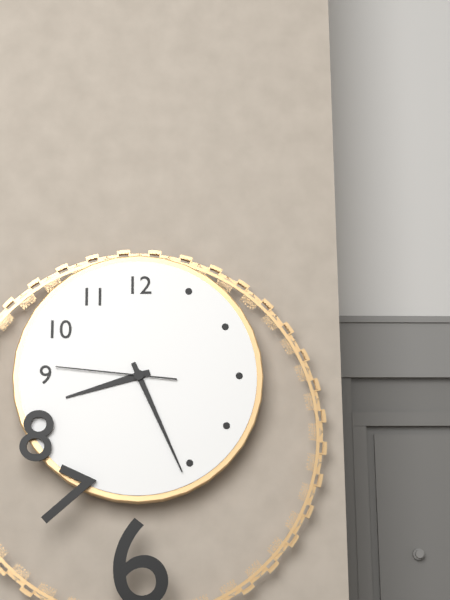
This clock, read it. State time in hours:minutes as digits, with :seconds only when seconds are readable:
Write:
8:26:46
